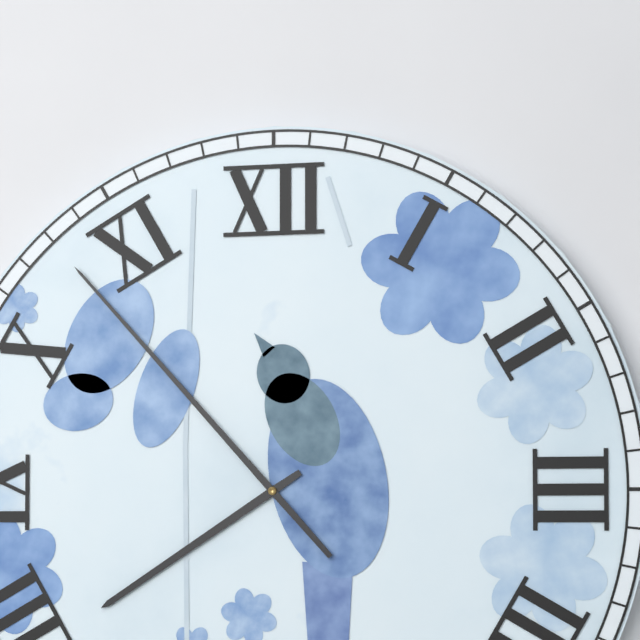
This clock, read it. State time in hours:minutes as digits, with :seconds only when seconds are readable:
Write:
7:53
